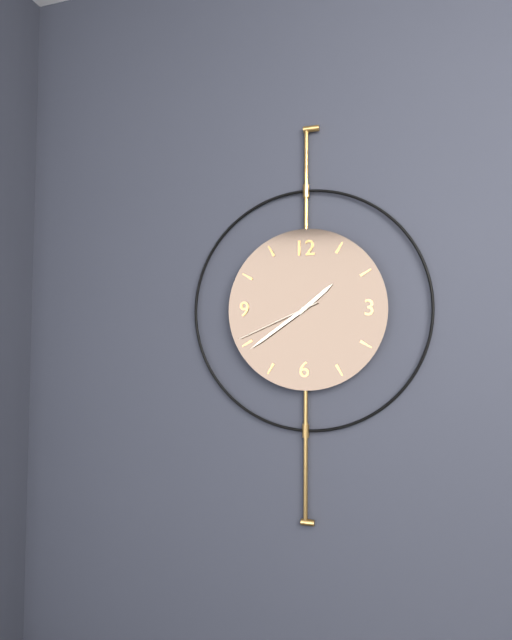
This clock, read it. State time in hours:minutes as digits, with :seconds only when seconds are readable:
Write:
1:39:41
